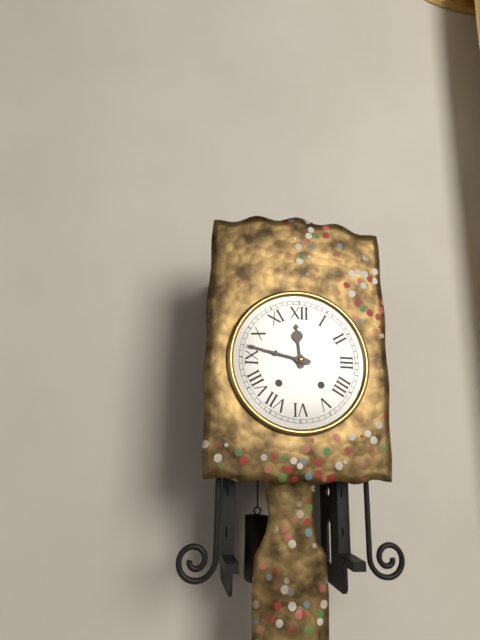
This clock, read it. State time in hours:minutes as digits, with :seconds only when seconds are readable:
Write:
11:47
